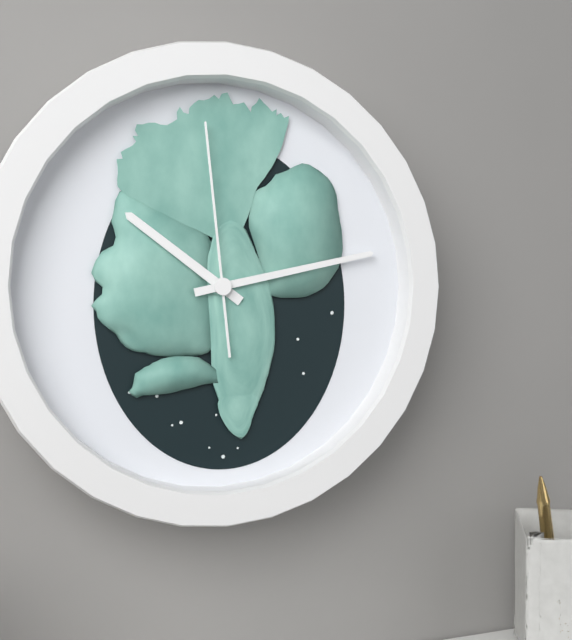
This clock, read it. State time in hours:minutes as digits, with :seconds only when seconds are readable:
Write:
10:13:59
